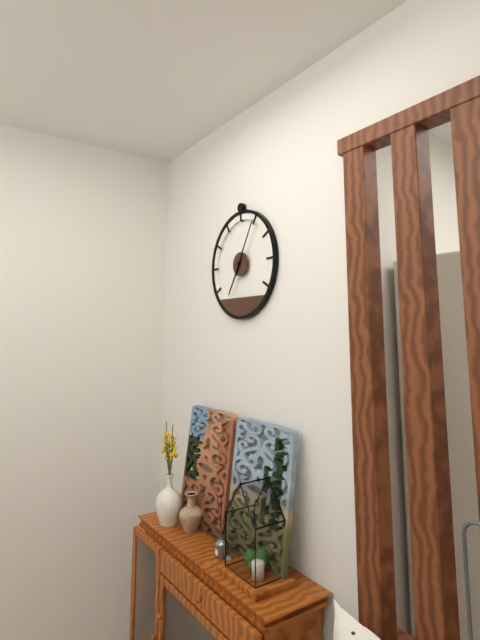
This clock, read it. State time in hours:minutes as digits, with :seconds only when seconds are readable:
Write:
7:05
